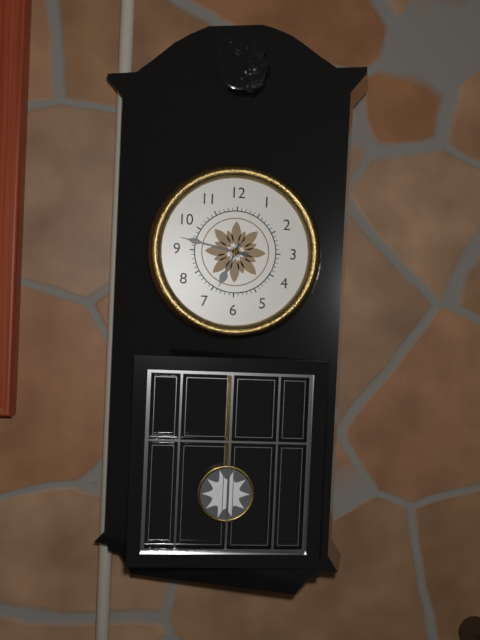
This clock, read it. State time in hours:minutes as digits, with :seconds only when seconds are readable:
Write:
6:47
